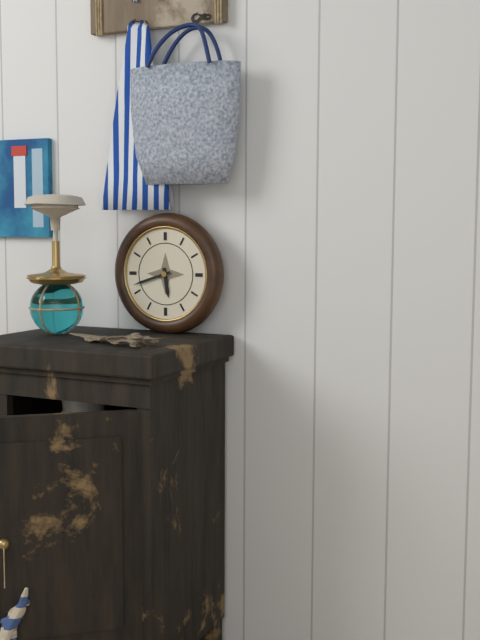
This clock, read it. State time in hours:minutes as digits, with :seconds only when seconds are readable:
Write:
5:42
